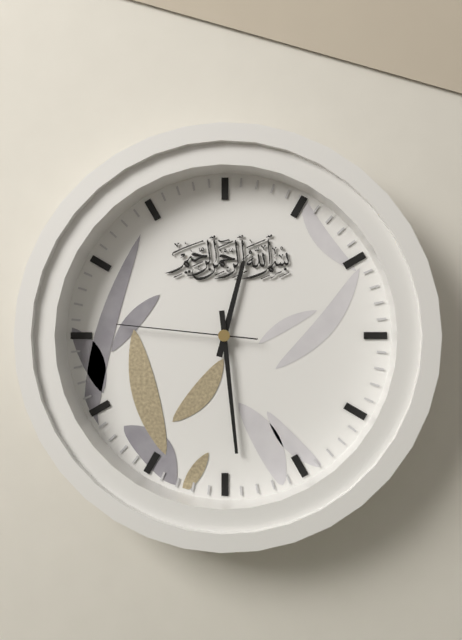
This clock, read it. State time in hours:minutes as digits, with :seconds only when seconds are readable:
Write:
12:29:46
